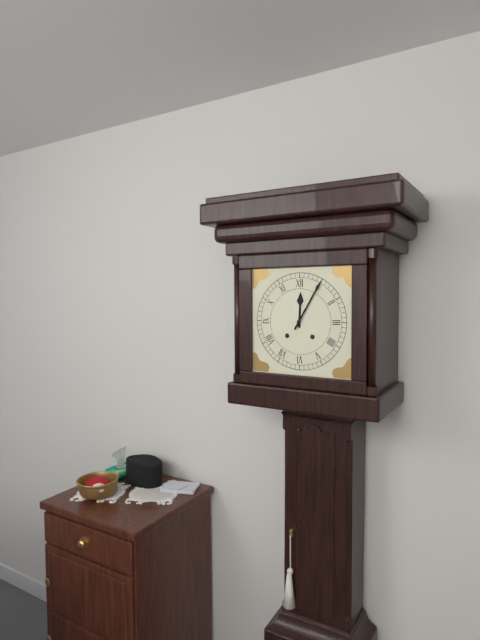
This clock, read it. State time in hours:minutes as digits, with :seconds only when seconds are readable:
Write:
12:05
